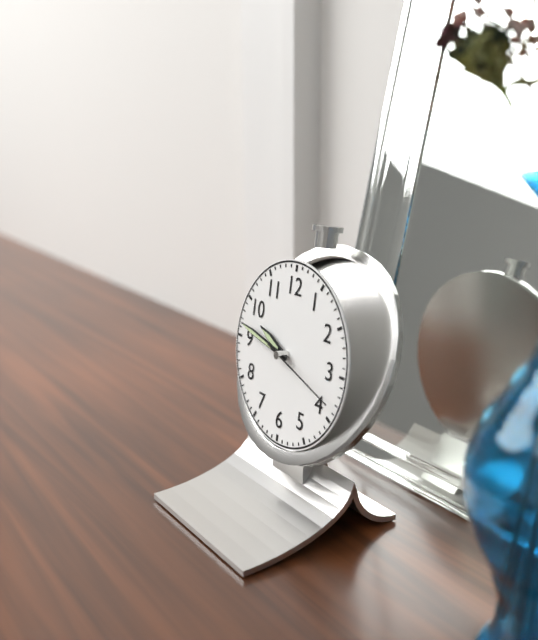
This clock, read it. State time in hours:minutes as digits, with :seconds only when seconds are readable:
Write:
9:47:18
